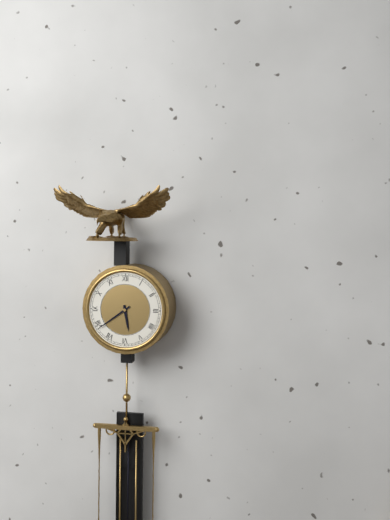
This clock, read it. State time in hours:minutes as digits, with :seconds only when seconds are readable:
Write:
5:39
